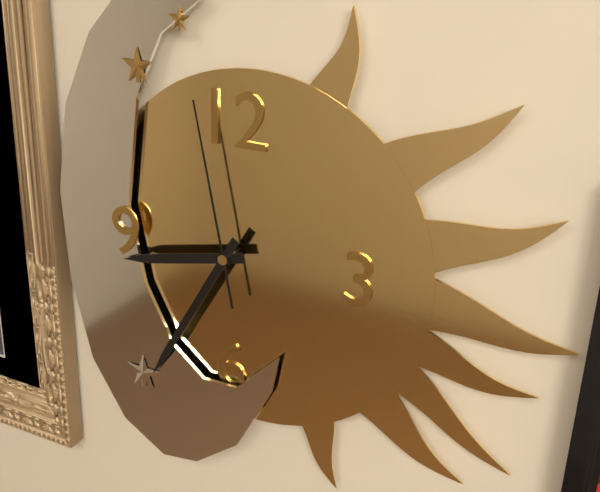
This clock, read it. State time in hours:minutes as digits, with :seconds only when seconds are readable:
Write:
8:35:58
